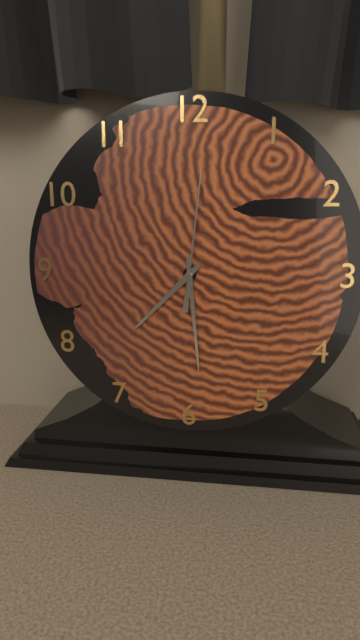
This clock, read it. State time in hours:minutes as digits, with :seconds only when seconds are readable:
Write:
7:29:01
